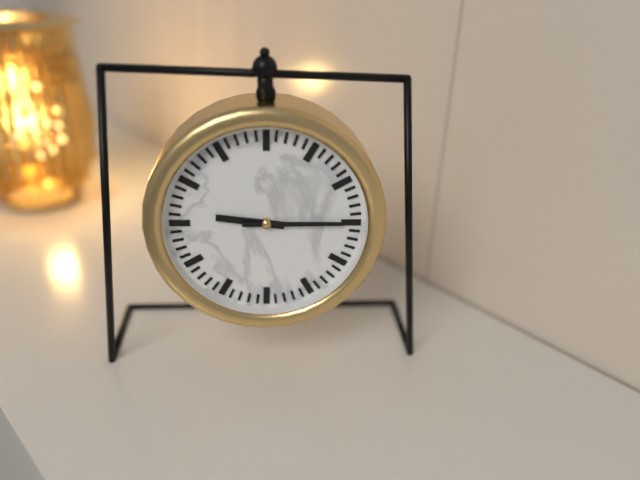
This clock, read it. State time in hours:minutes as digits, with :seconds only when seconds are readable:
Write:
9:15
